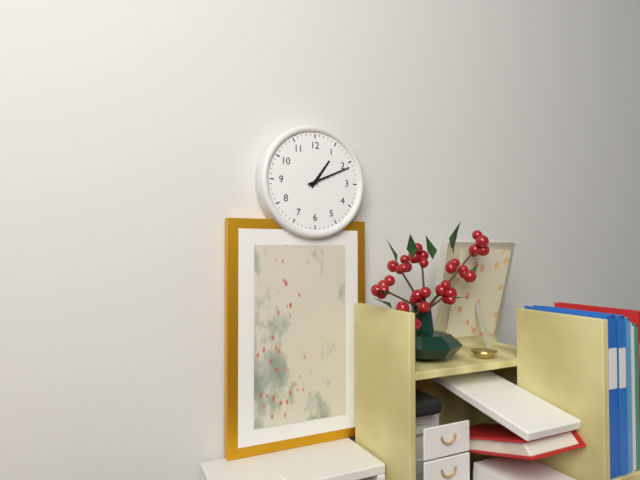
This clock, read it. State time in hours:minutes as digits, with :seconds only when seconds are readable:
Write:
1:11
